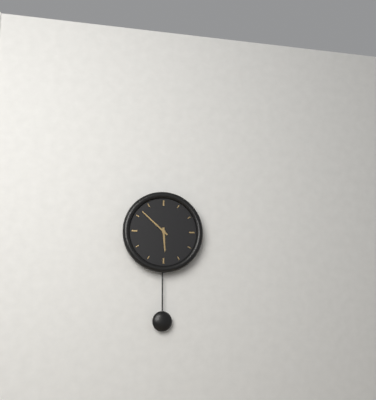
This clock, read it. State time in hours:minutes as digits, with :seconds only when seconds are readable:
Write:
5:52
